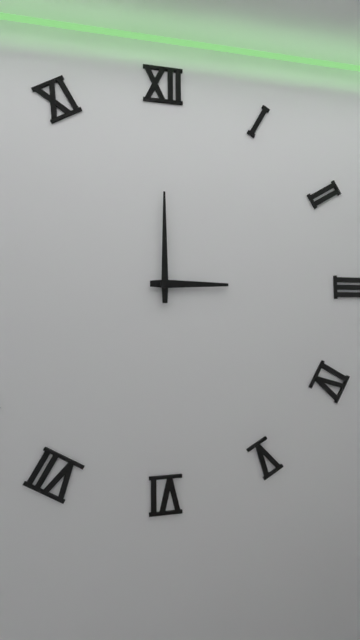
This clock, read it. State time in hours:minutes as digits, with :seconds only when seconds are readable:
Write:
3:00
